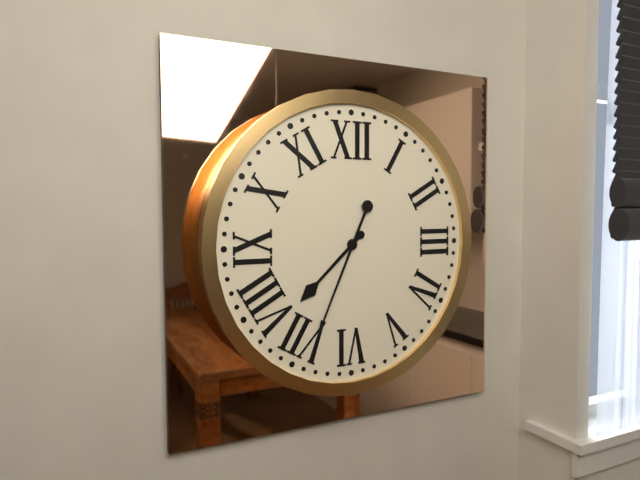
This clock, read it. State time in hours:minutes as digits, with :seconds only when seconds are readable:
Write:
7:34
